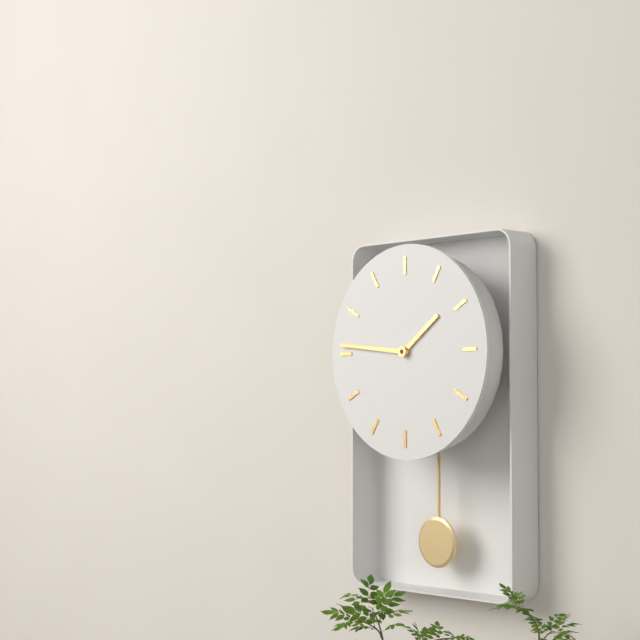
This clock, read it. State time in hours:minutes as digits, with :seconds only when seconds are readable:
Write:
1:46
